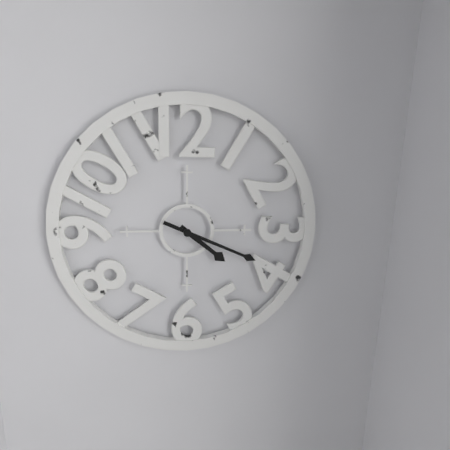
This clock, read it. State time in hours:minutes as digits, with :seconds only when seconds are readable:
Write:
4:19
